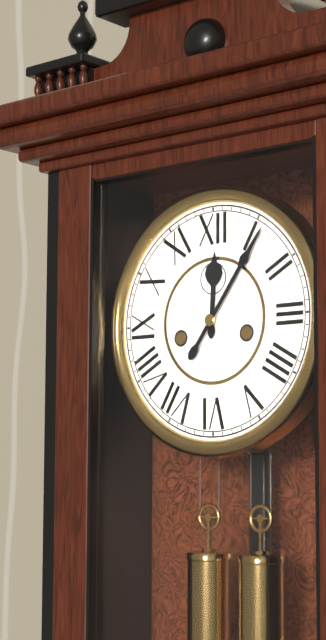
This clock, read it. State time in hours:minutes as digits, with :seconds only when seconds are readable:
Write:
12:06
